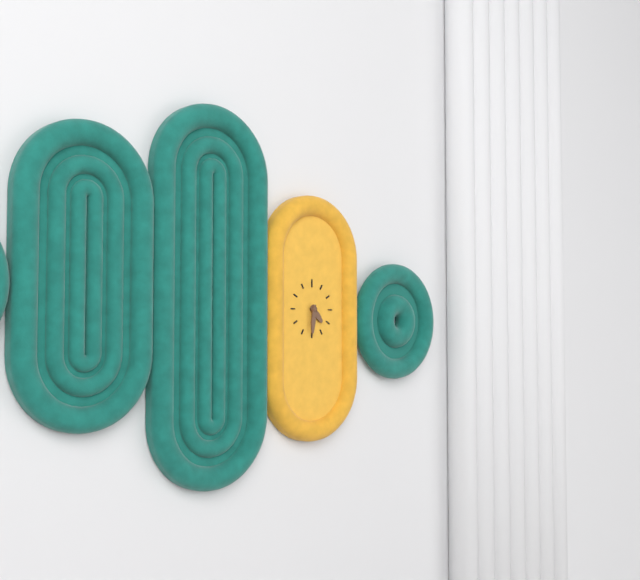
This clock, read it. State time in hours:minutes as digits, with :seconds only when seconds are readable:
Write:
4:31
